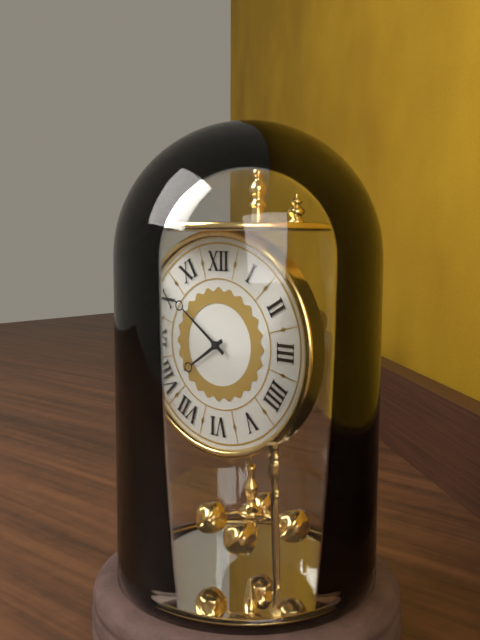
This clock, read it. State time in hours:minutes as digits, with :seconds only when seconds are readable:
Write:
7:51
